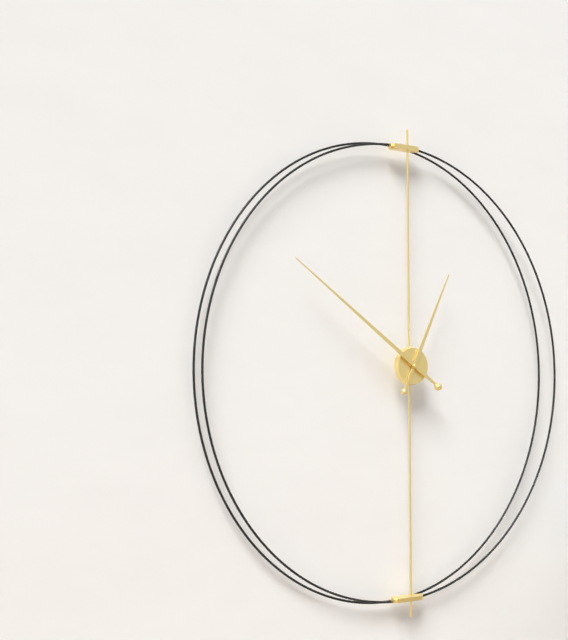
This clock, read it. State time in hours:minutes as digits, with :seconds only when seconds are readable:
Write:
12:51
